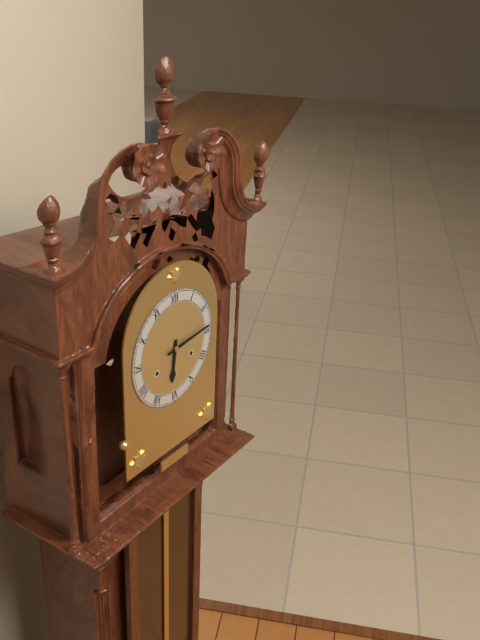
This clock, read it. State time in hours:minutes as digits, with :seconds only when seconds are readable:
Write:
6:14
